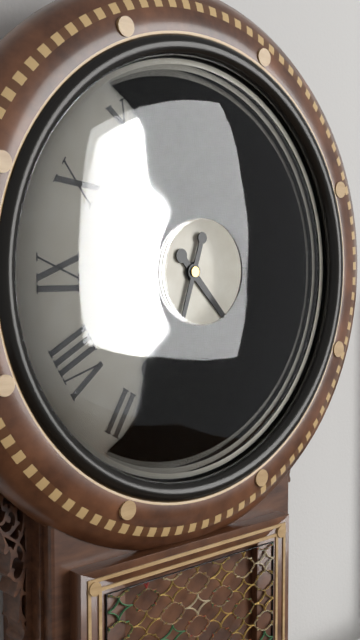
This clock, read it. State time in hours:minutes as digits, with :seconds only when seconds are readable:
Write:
4:33
